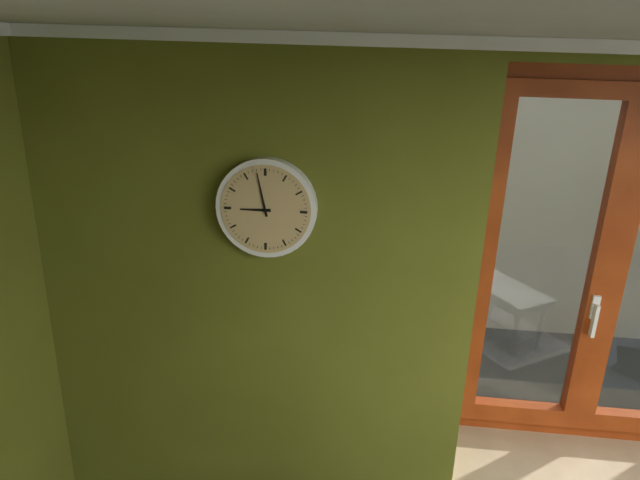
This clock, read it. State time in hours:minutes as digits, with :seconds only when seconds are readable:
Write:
8:58
